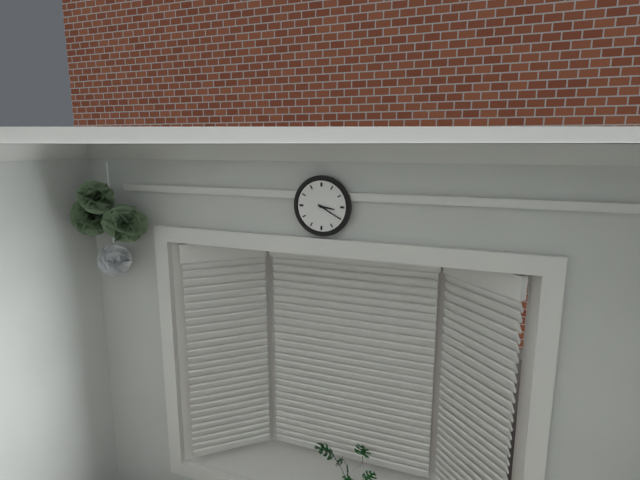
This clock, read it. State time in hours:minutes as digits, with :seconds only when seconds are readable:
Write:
3:20
